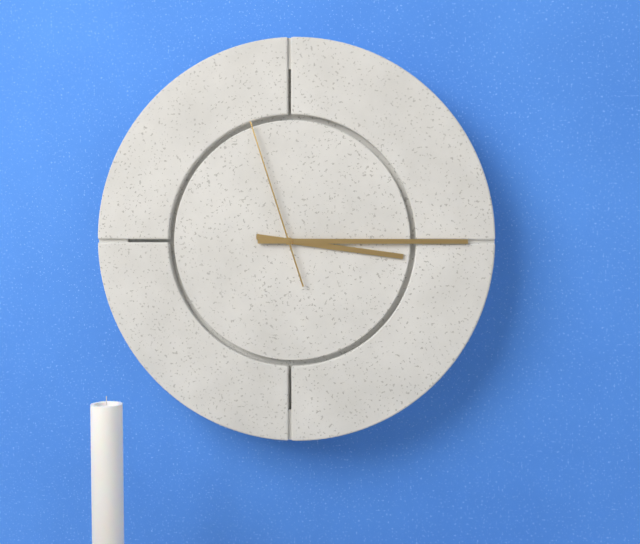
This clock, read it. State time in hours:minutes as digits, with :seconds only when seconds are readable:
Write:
3:15:57
